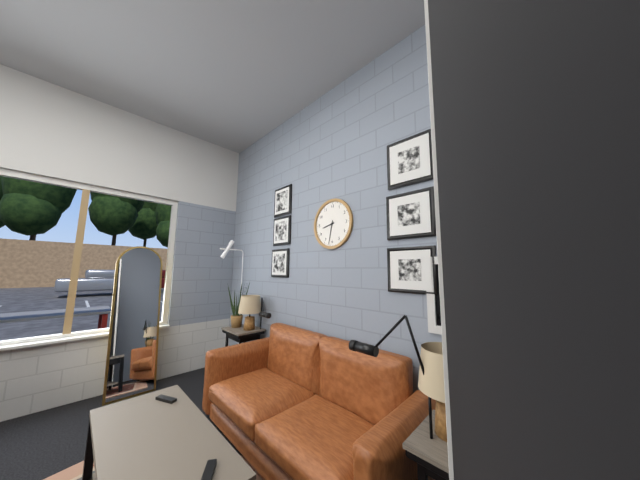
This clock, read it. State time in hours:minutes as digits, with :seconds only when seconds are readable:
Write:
8:32
